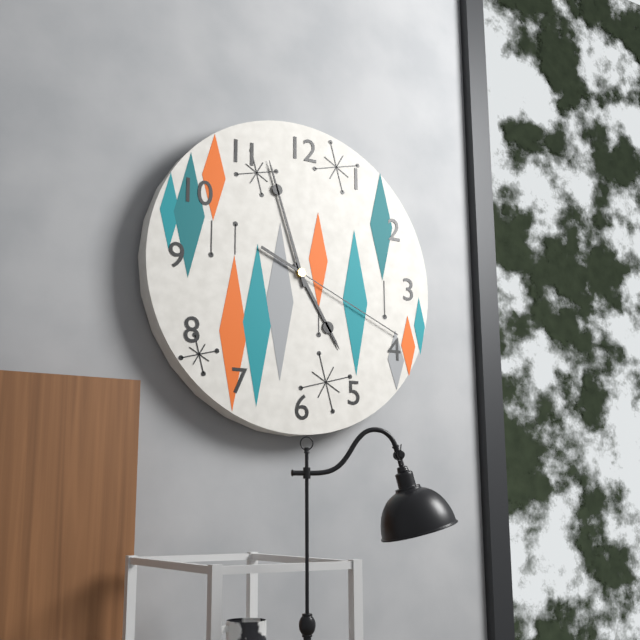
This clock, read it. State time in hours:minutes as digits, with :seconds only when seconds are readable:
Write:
4:57:19
